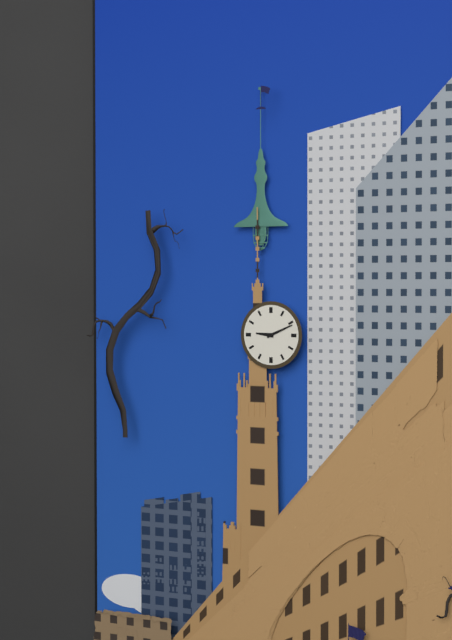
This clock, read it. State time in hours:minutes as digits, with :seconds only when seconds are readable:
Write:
9:11
